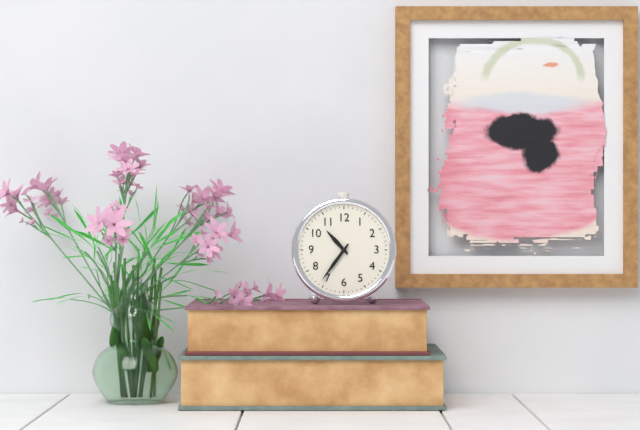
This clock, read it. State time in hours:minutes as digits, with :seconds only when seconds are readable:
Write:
10:36
